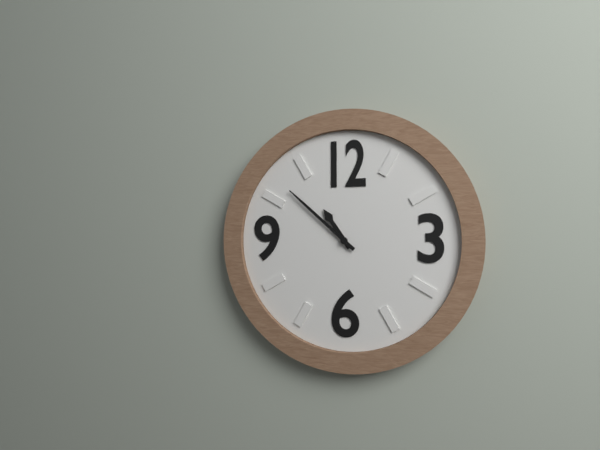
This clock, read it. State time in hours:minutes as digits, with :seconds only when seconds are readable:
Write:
10:52
